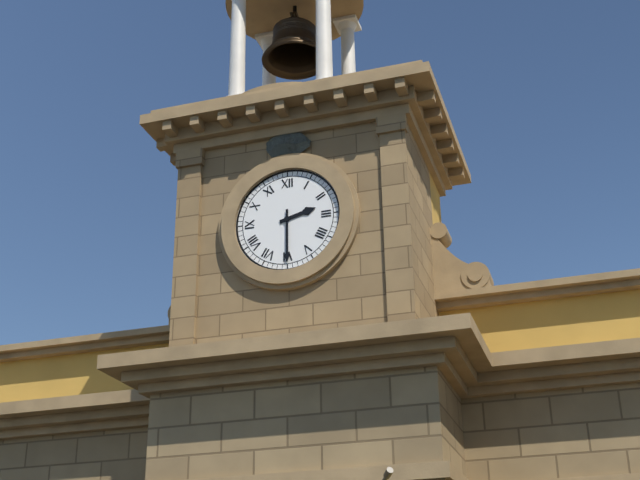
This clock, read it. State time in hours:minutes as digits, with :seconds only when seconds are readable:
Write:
2:30
